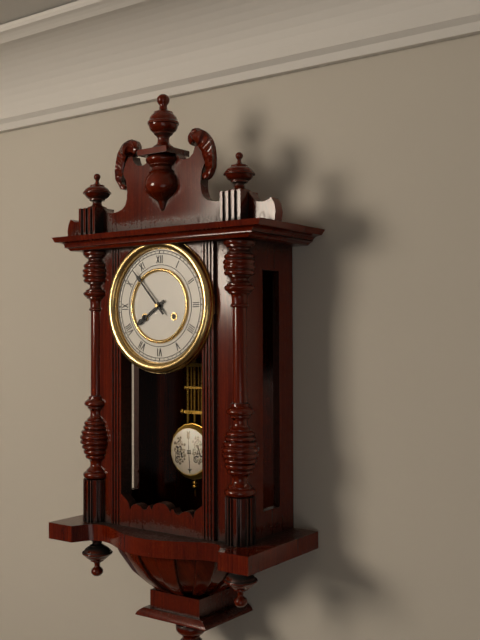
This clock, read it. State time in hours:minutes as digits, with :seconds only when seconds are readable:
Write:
7:53
